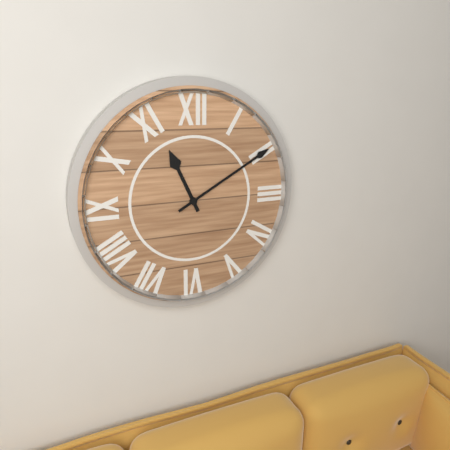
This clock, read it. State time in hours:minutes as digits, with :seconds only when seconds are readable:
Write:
11:10
